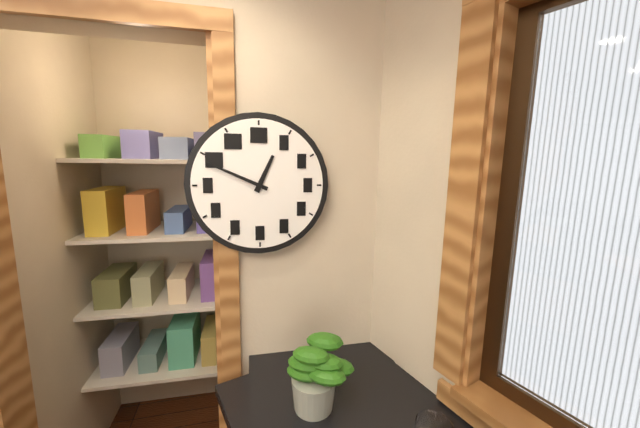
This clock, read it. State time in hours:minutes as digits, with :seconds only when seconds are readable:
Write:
12:49
